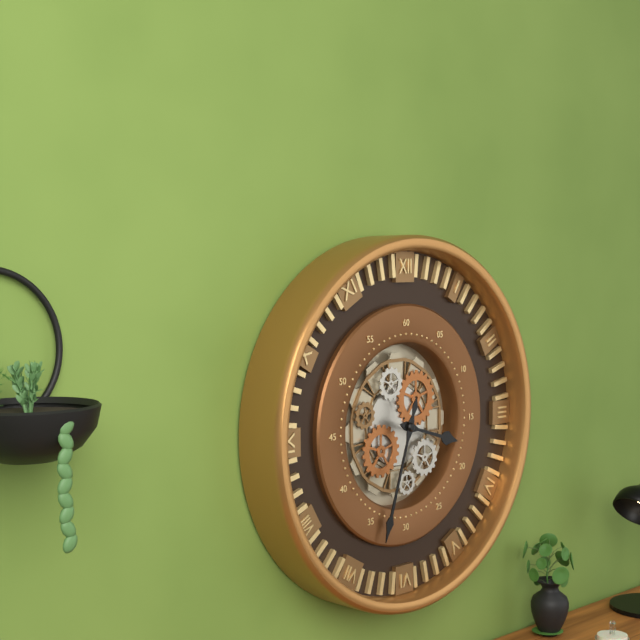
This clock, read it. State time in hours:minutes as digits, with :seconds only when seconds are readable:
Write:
3:33
